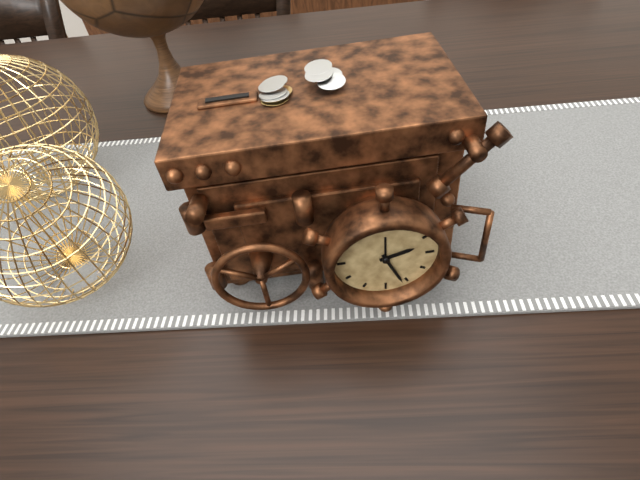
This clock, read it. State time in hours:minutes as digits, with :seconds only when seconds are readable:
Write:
2:26
